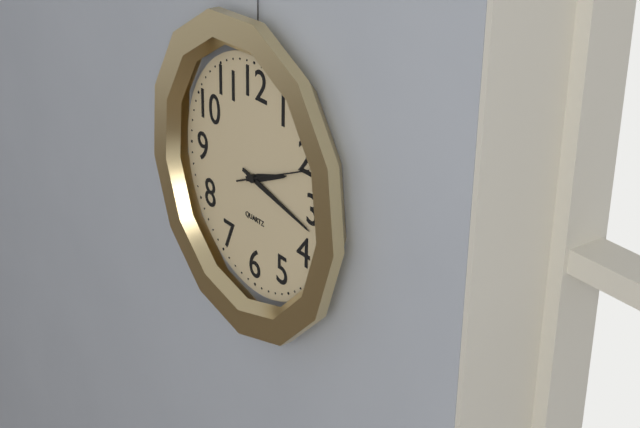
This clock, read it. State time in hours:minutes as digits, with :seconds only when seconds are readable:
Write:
2:17:11
